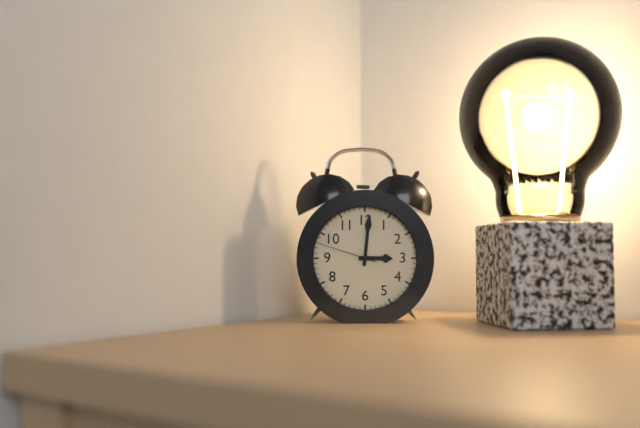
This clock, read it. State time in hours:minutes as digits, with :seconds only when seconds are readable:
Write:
3:01:48
